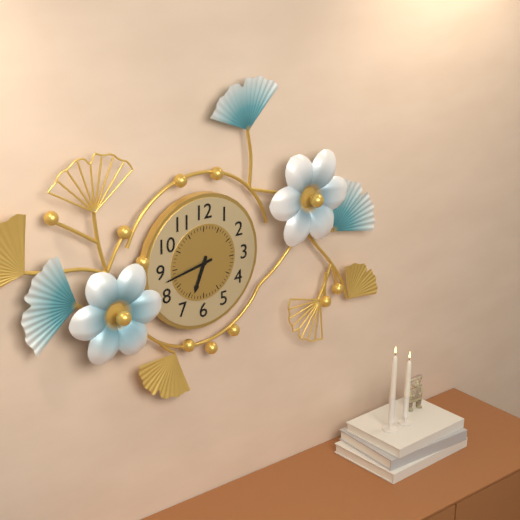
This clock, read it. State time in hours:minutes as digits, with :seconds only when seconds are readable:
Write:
6:43
